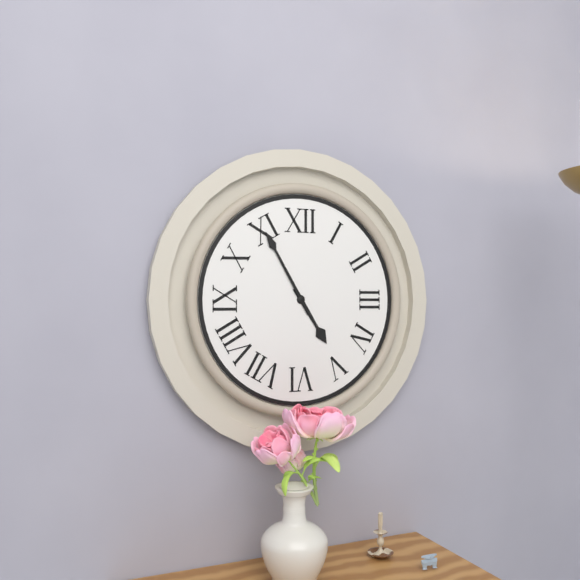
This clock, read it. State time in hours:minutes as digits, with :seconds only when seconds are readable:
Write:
4:55
